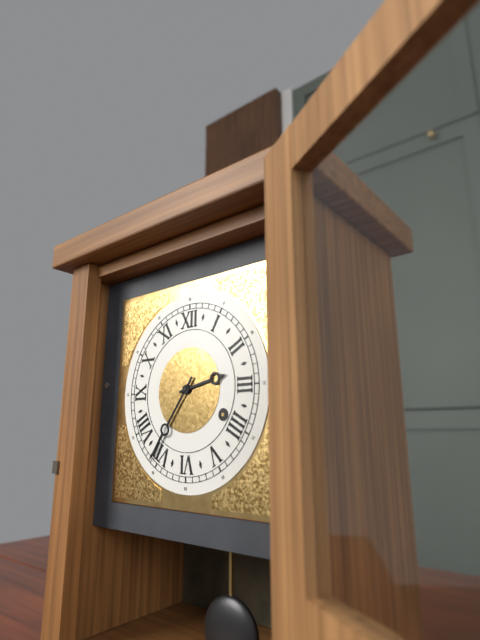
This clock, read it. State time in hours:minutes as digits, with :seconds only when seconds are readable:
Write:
2:36
